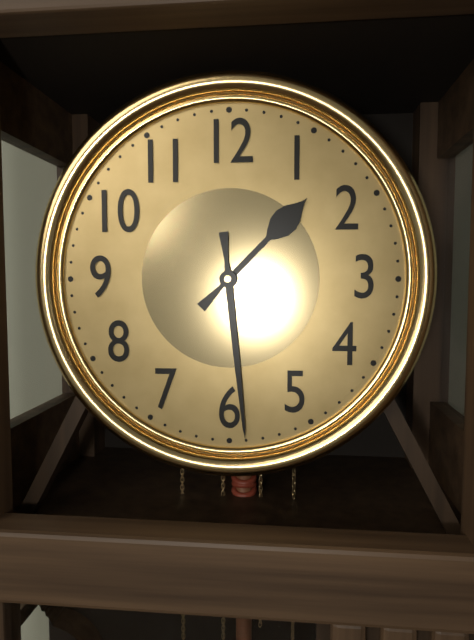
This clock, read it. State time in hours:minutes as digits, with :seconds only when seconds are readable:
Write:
1:29
